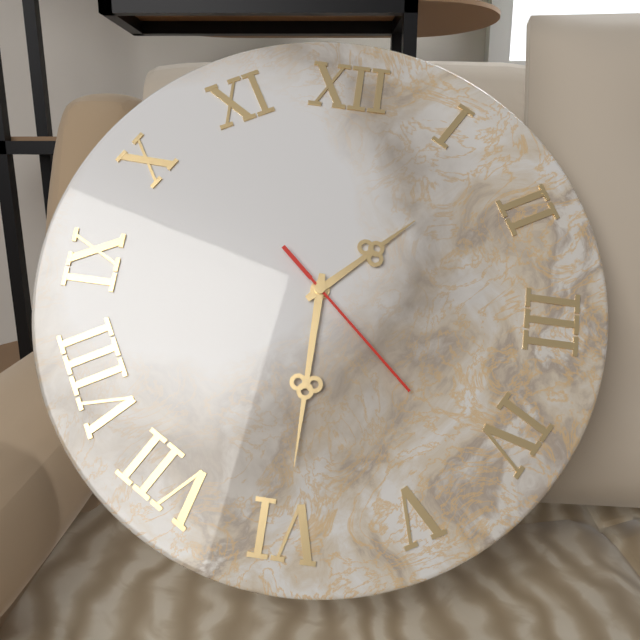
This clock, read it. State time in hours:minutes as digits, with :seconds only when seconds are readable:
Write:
1:30:22
